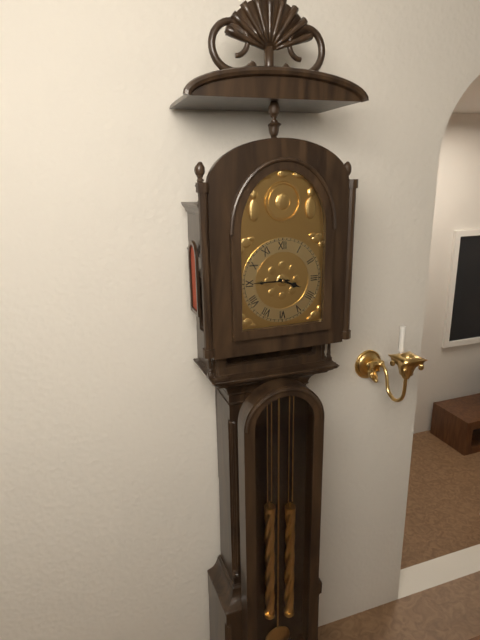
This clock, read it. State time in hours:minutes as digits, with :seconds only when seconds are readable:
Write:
3:45
